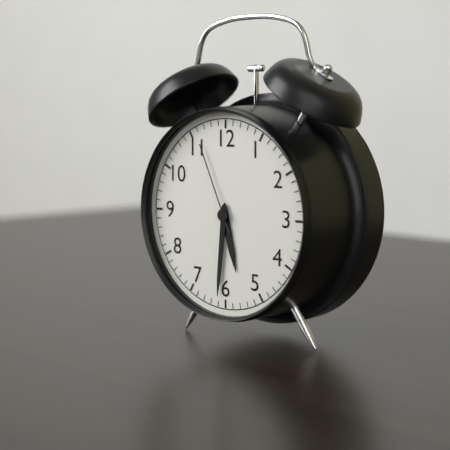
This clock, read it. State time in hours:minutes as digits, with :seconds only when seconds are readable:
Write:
5:31:56
